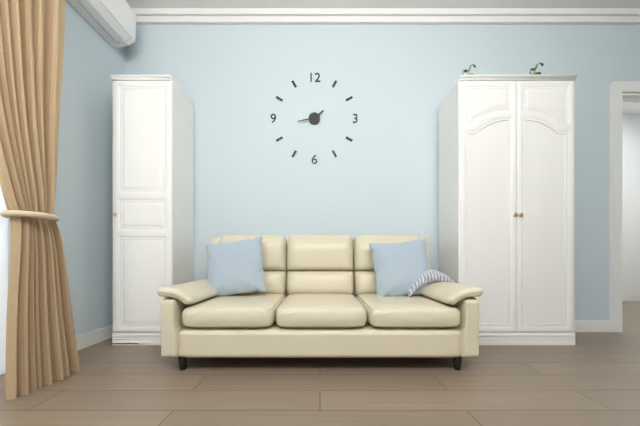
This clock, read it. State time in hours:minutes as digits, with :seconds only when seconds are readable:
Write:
1:43
